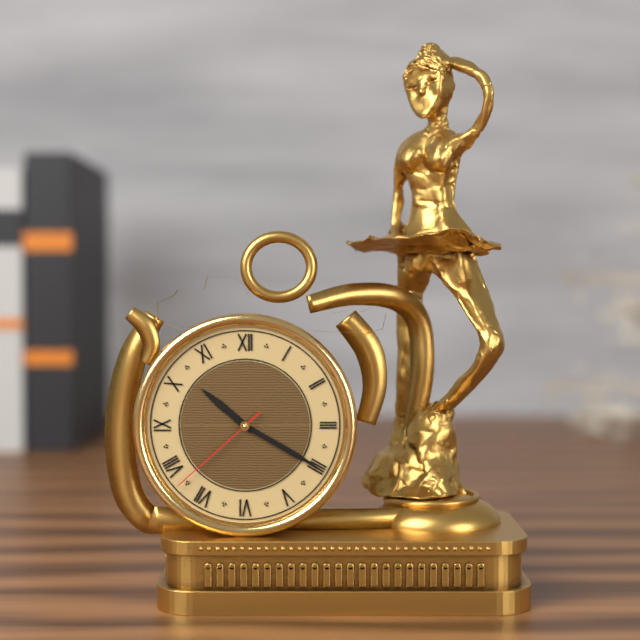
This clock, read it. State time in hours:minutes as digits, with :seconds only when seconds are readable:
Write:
10:20:38
